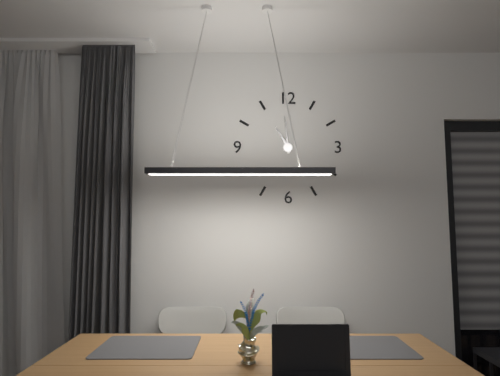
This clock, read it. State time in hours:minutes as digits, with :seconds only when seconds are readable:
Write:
10:59
